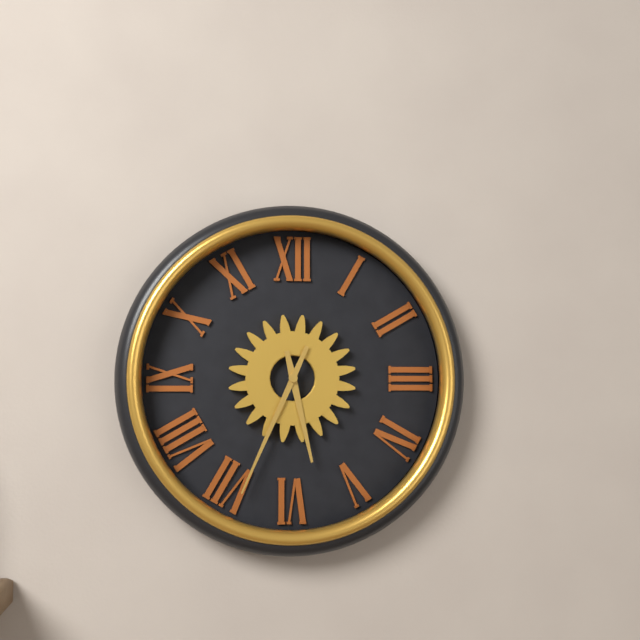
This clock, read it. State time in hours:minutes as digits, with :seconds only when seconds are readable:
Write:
5:34
